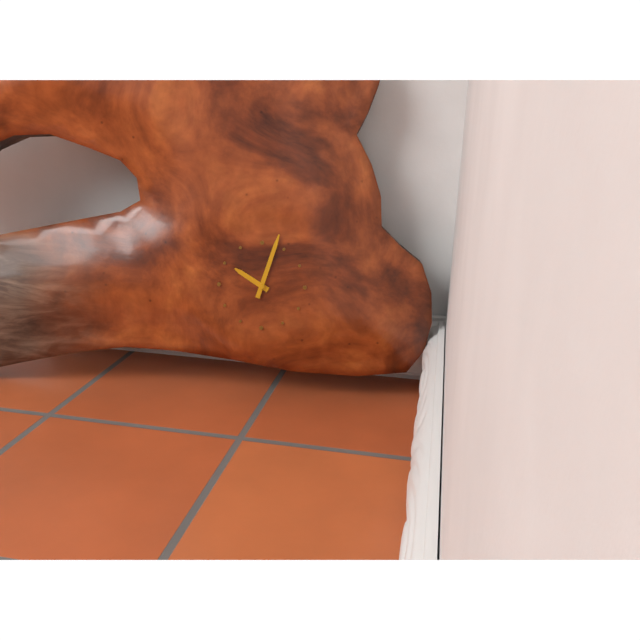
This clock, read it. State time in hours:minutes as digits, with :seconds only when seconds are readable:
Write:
10:03
